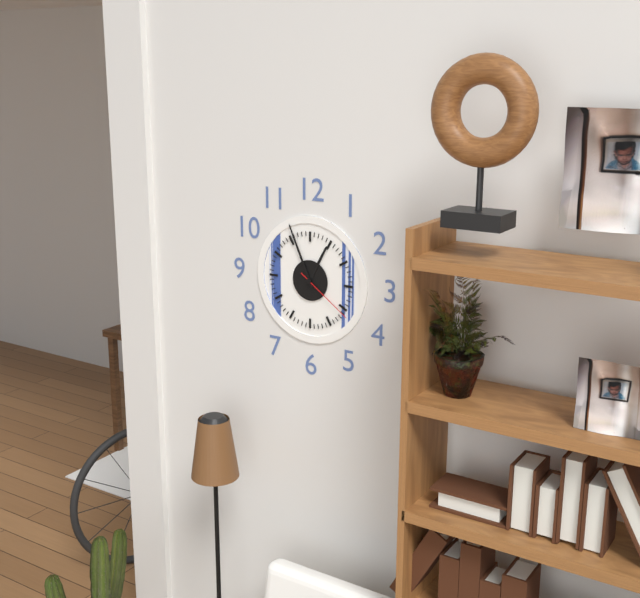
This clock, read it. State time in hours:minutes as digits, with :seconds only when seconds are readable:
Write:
12:56:21
